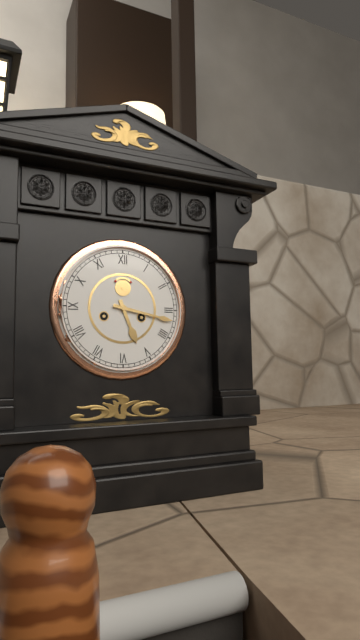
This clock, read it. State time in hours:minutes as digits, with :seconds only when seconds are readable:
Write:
5:17
